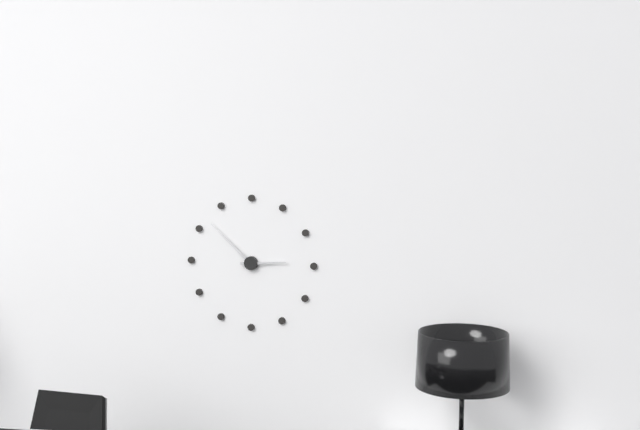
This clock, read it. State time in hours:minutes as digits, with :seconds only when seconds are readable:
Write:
2:52
